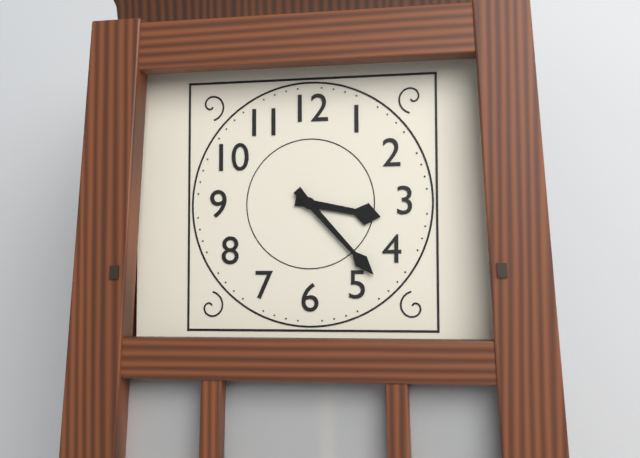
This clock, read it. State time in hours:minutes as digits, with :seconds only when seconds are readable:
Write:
3:23
